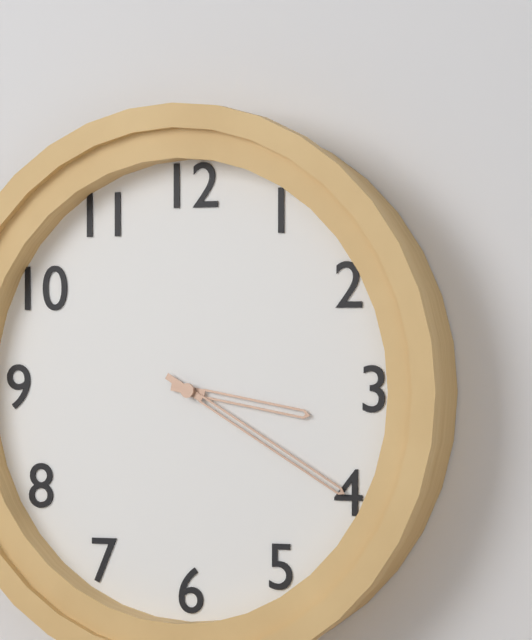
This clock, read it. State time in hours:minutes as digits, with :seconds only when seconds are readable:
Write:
3:20
